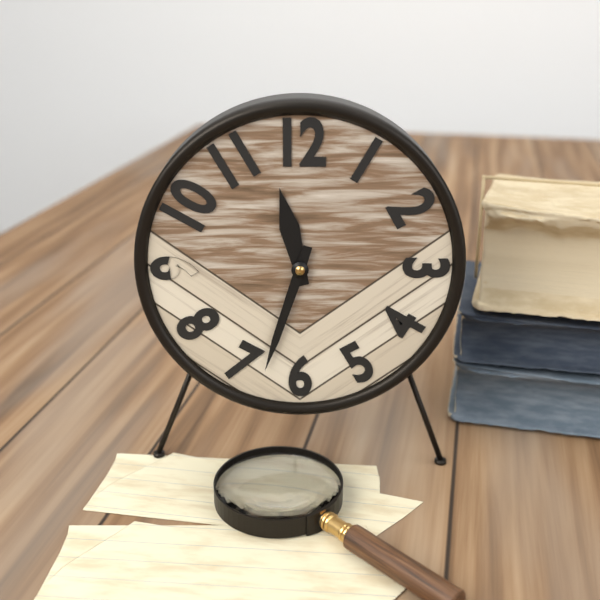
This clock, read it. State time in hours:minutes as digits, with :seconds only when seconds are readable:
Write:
11:33
